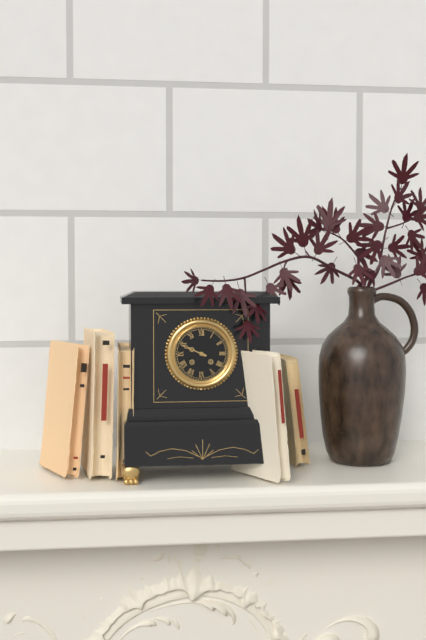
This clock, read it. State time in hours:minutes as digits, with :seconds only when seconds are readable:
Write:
9:49
